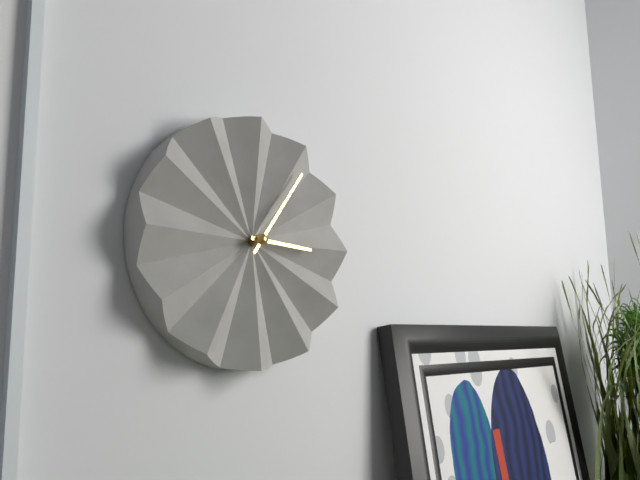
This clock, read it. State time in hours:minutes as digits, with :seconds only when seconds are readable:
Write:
3:06
